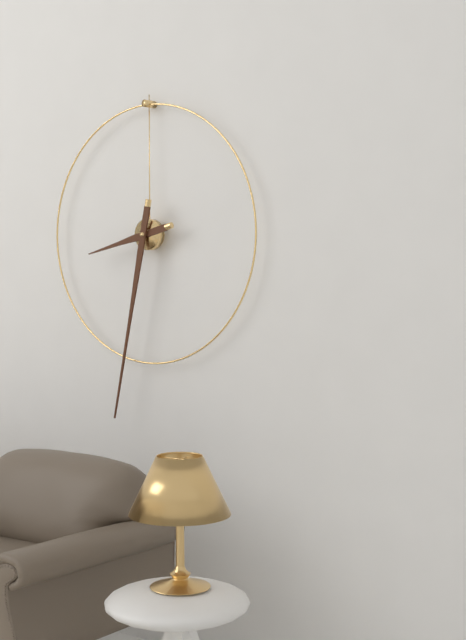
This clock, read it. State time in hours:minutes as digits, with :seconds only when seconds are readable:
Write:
8:32
